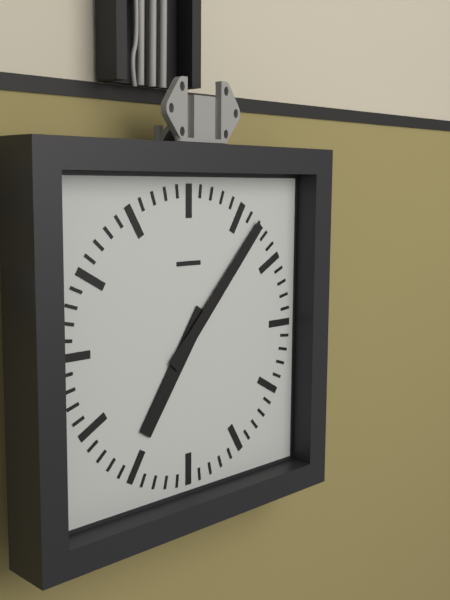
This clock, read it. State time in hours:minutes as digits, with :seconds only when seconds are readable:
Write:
7:07
